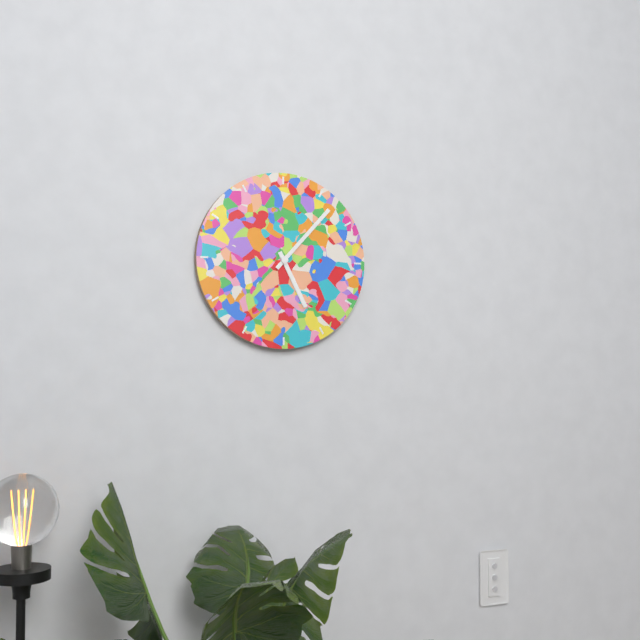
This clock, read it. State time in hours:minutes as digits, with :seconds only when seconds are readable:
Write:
5:07
